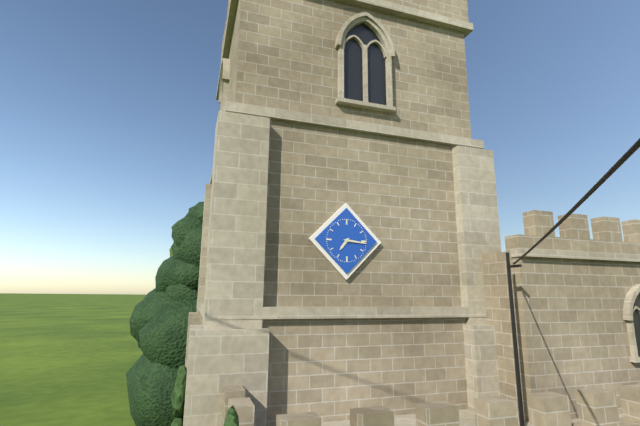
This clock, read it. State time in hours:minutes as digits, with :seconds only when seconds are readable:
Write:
7:16
